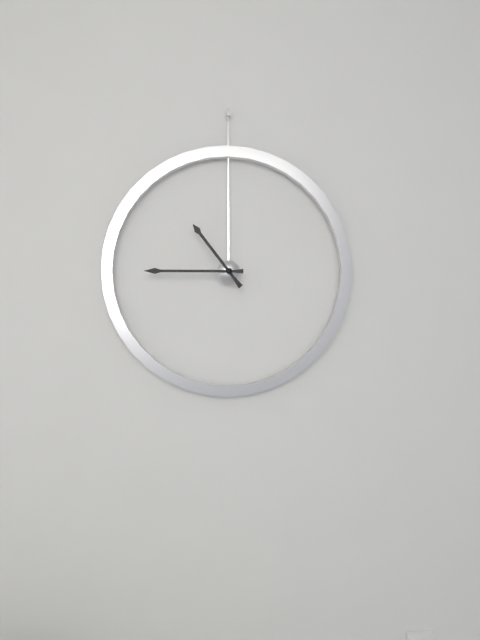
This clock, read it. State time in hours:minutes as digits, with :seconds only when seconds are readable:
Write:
10:45
